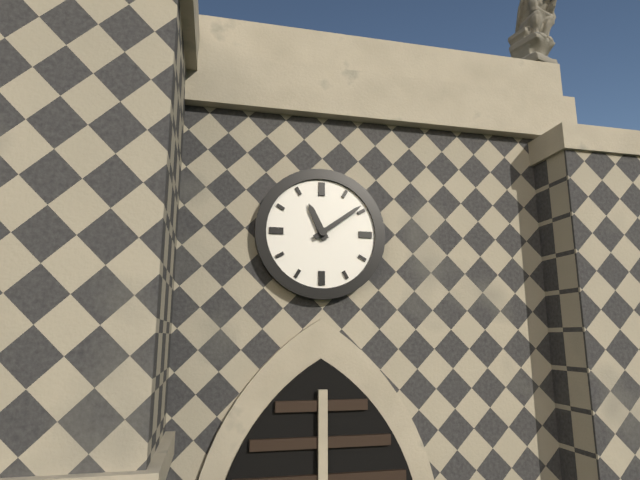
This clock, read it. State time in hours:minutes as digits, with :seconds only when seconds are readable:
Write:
11:09
